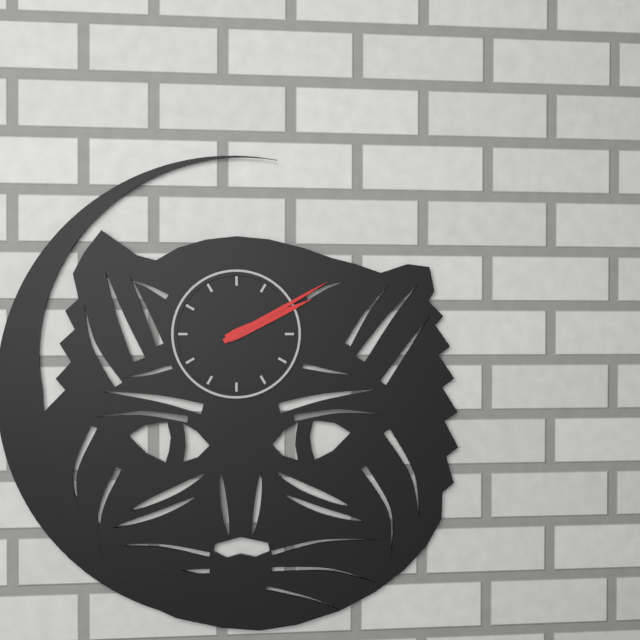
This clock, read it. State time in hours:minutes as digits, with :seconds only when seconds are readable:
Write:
2:10
